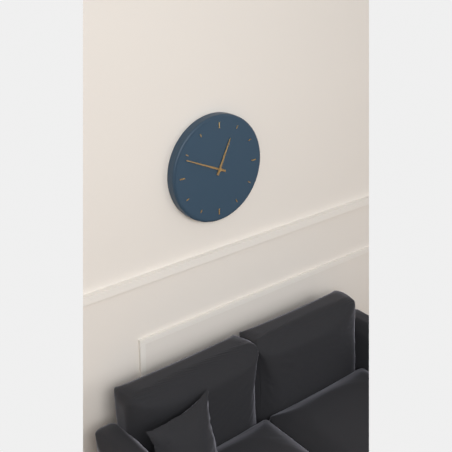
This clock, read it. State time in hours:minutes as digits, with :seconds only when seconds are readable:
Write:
12:49
